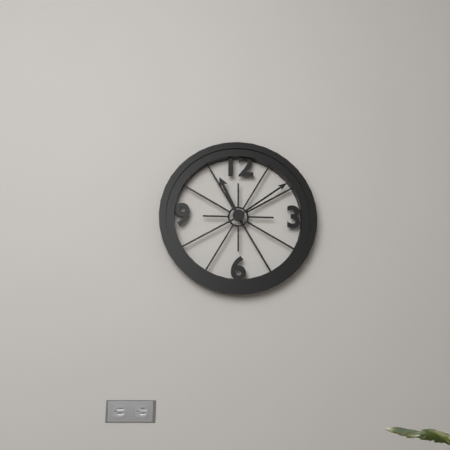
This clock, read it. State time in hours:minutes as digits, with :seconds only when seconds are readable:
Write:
11:09
